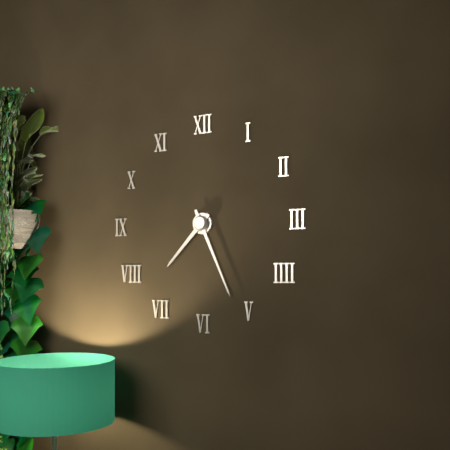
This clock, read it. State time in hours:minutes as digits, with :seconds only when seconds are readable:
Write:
7:26
